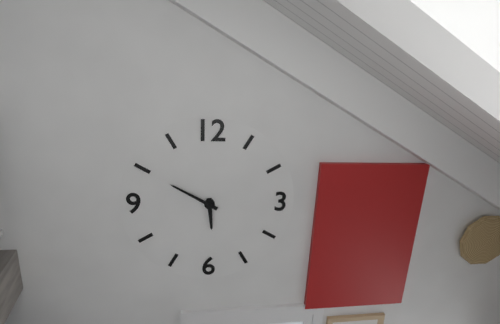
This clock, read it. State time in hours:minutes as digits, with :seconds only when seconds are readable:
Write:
5:50
